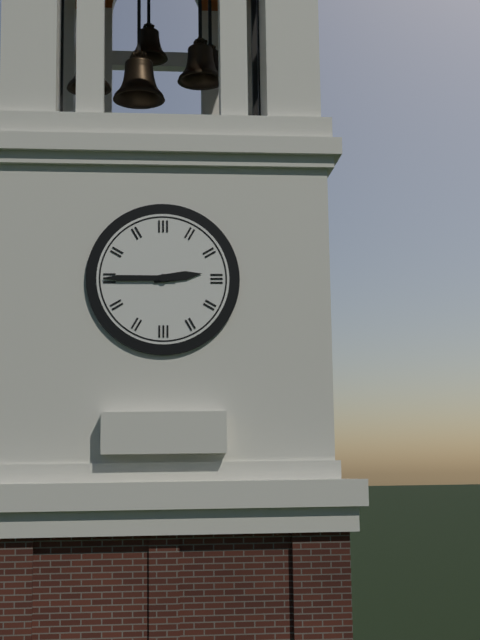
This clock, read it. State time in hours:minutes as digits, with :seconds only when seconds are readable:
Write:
2:45
